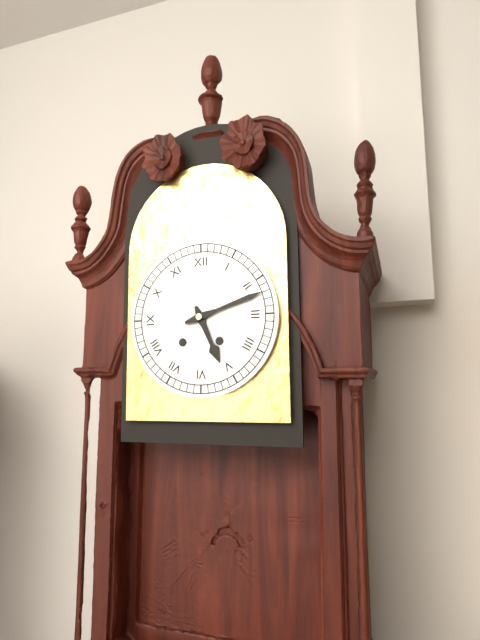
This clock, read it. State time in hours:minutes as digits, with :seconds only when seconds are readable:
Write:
5:12
